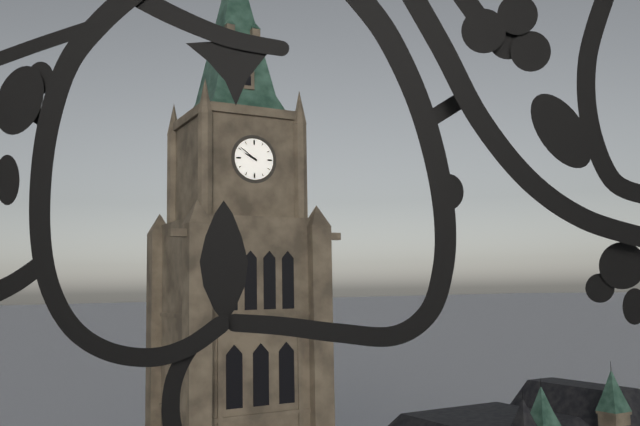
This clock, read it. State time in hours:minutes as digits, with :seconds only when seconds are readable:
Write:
9:51
